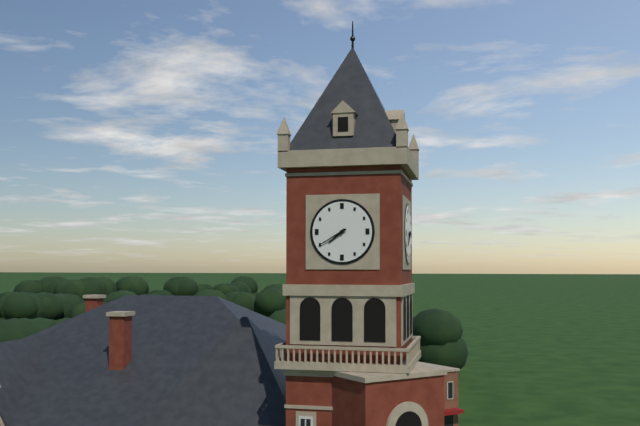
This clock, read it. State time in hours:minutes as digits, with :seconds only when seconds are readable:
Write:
7:40
